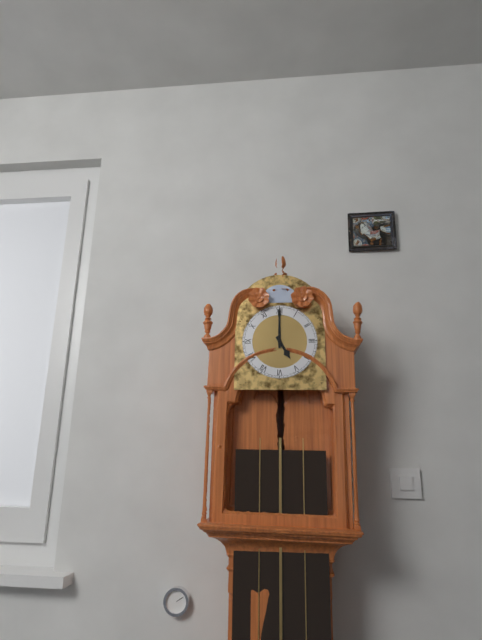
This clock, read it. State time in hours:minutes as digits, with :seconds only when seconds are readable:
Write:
5:00
